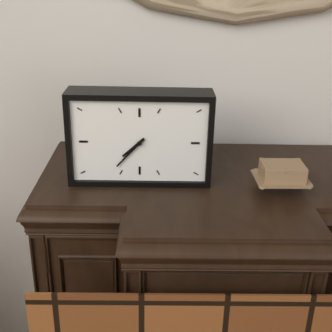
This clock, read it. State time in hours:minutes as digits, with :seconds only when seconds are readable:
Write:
7:37
